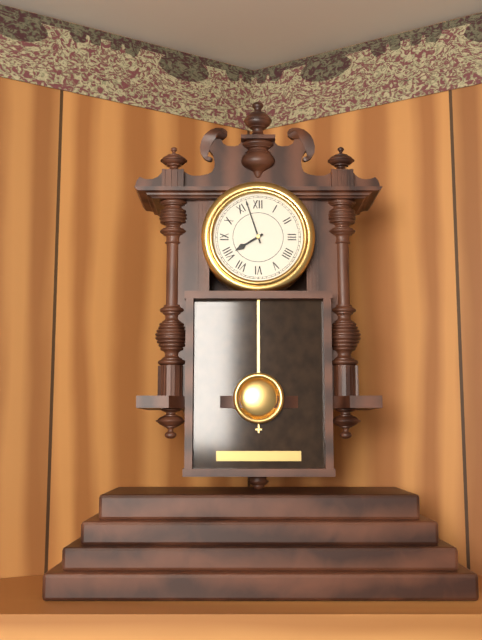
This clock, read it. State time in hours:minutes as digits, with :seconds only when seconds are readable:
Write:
7:57
